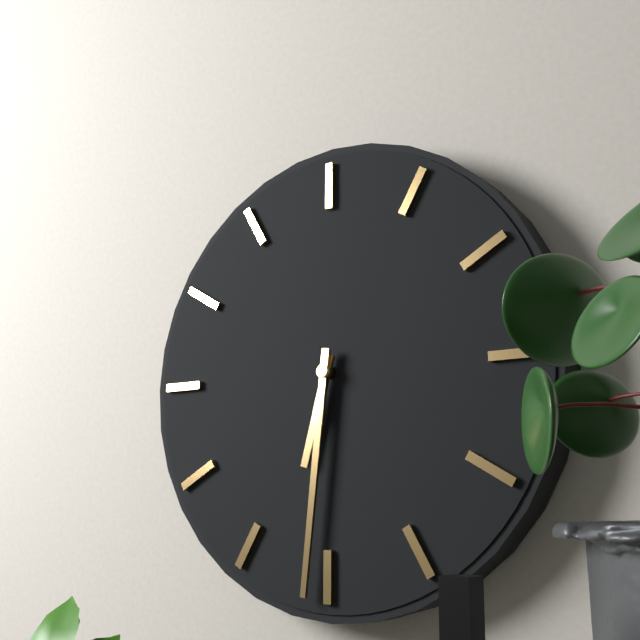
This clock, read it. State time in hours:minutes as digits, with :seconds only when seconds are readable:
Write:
6:31
